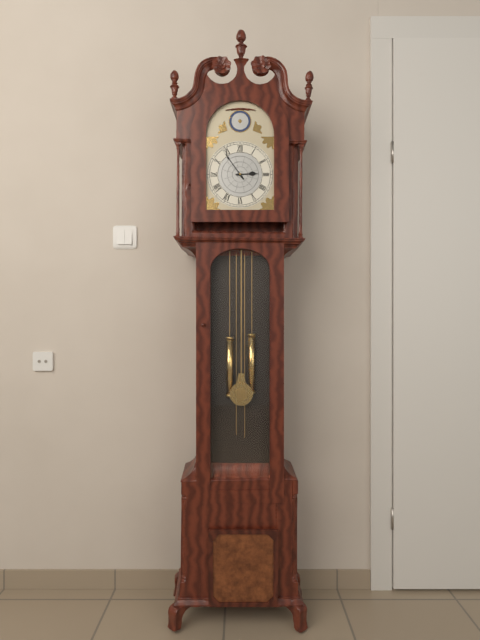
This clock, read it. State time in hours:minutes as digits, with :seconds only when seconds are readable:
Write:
2:54
